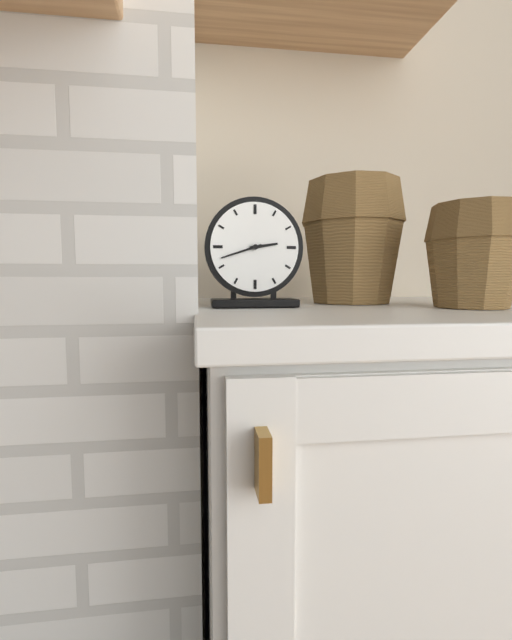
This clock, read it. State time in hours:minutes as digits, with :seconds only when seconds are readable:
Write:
2:42
